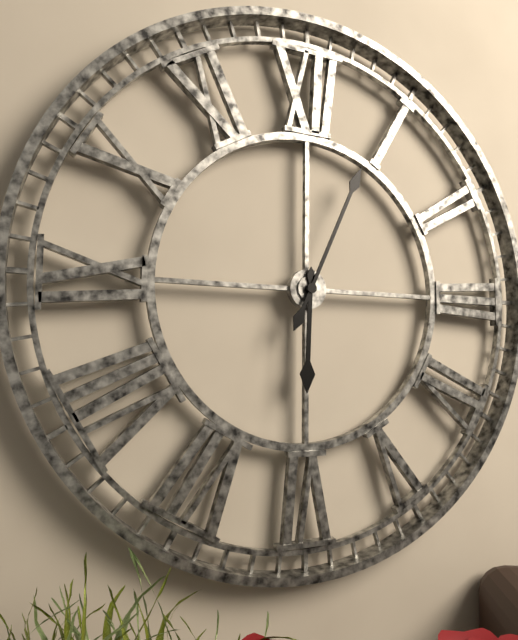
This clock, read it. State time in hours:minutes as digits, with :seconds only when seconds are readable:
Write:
6:04
